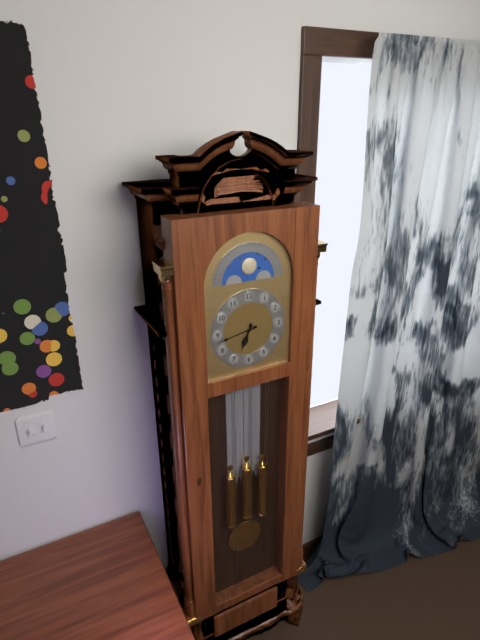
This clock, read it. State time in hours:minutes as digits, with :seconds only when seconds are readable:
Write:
6:43
